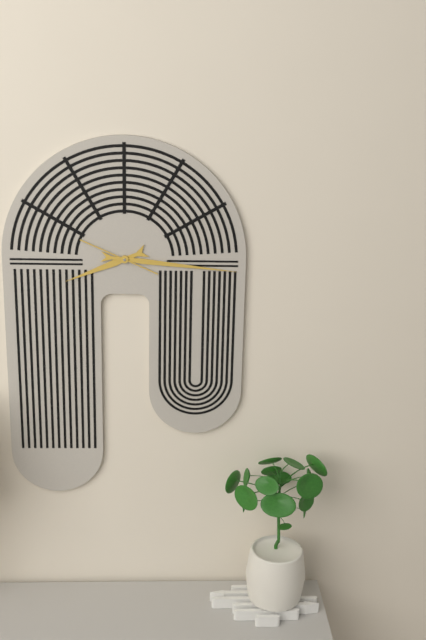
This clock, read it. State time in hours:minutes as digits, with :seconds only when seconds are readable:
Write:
8:16:49
